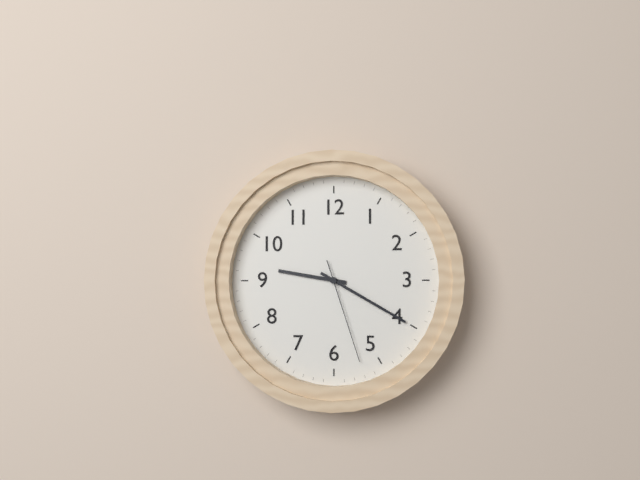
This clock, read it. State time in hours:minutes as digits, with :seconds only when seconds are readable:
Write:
9:20:27
